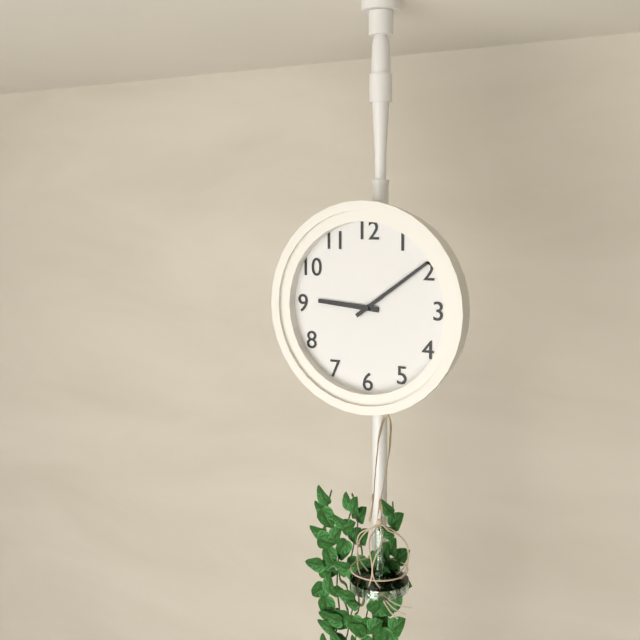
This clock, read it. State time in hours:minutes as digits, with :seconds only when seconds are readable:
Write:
9:09
